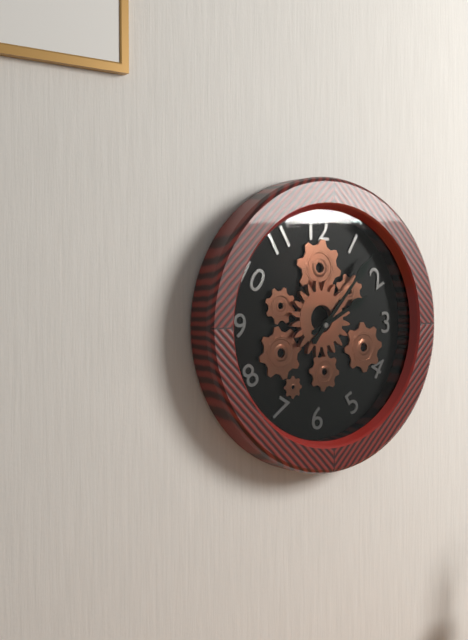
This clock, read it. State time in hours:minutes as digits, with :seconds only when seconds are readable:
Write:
2:07
